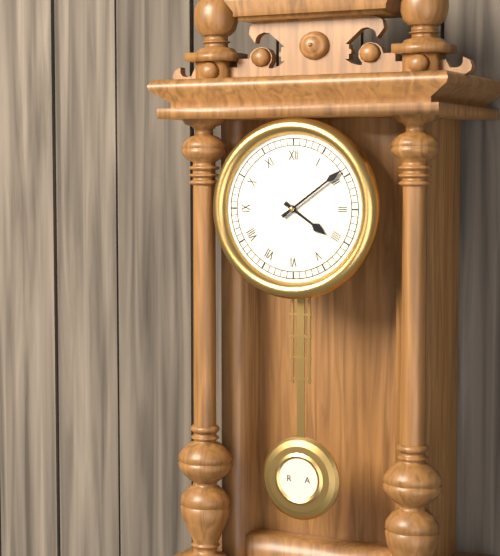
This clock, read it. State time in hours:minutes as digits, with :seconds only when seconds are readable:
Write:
4:09
